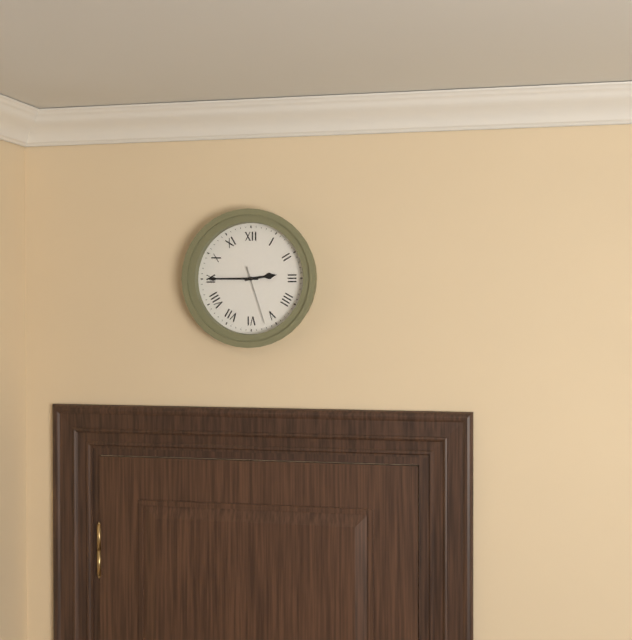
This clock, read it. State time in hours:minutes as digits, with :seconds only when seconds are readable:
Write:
2:45:27
